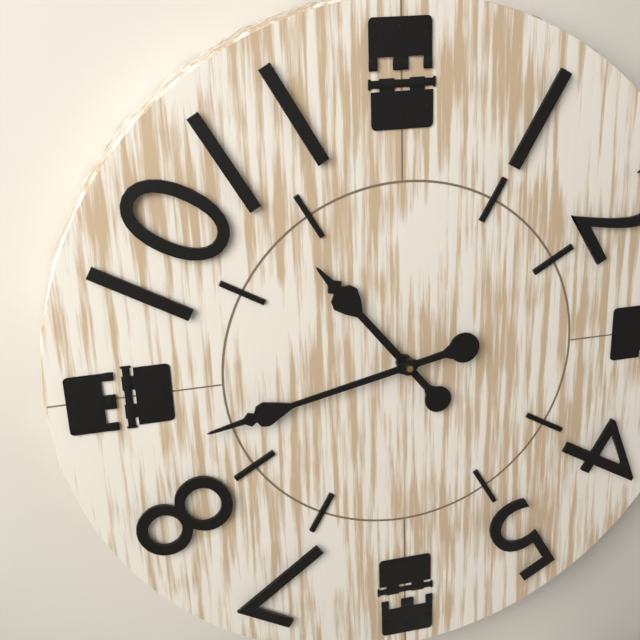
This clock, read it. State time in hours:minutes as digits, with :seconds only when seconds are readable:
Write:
10:43
